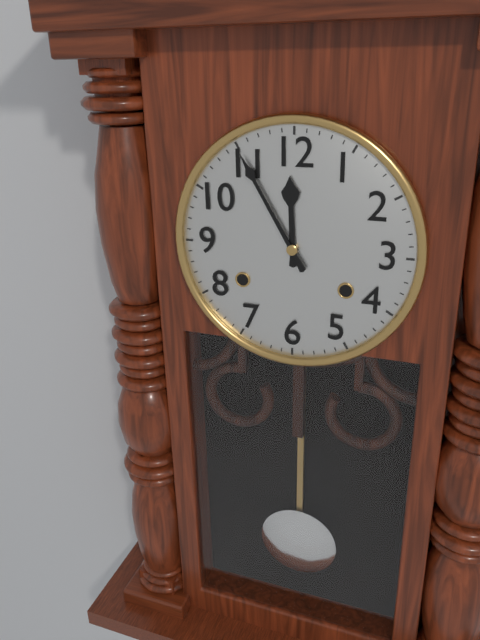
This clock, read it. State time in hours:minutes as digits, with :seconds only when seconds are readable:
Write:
11:55
